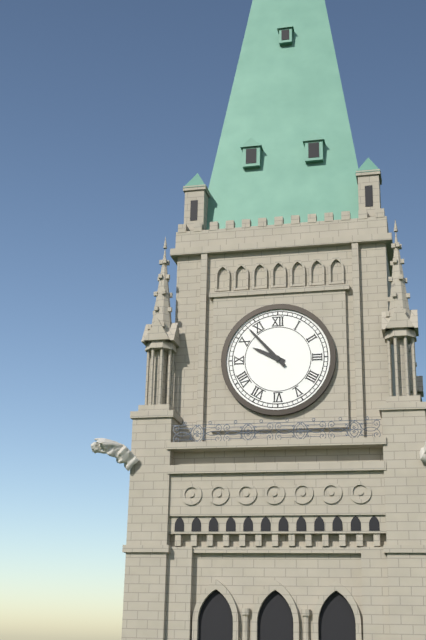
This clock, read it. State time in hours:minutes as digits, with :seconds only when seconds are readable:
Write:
9:53
